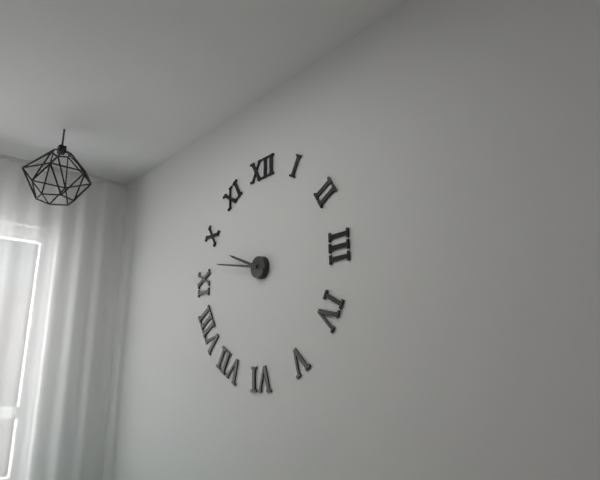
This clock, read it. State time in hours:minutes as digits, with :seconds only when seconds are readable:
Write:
9:47
